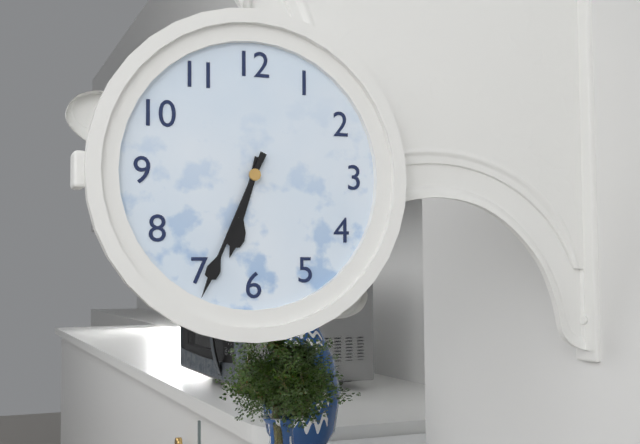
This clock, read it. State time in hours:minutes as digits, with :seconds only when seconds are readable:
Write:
6:34
